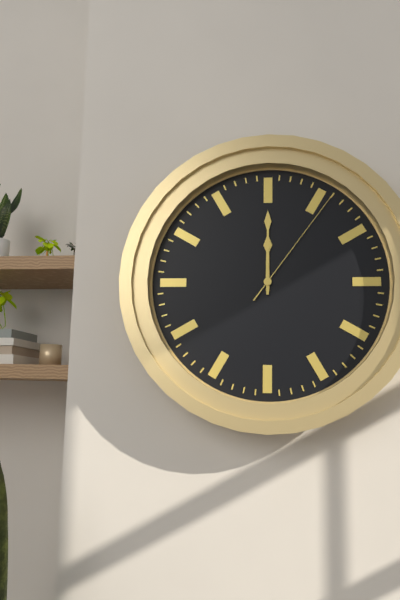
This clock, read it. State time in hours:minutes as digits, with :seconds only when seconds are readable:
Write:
12:00:06
